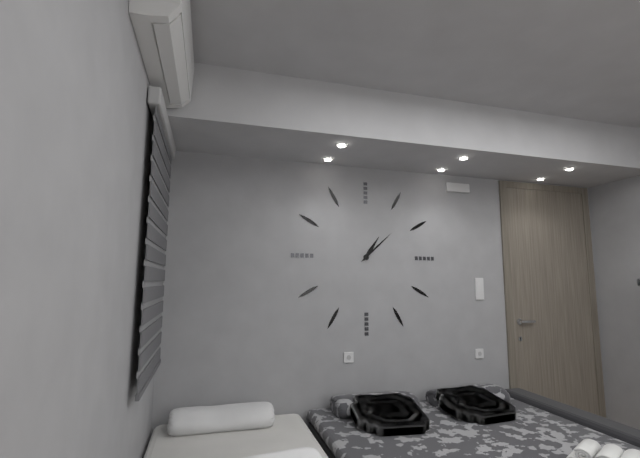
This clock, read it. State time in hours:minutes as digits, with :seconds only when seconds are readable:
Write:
1:08
